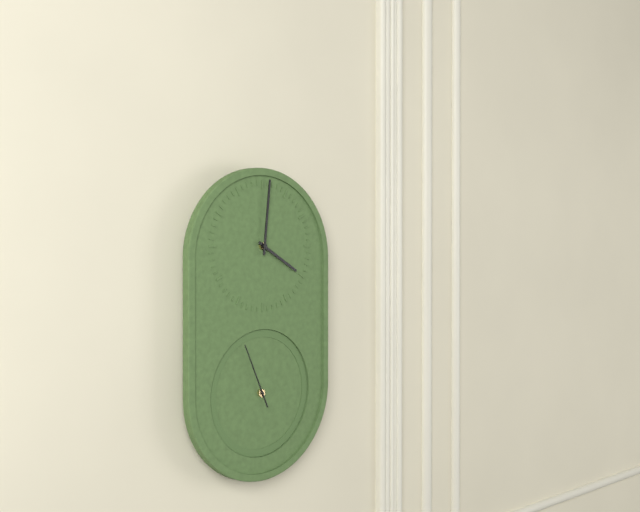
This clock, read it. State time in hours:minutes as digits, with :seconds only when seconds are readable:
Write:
4:01:56
